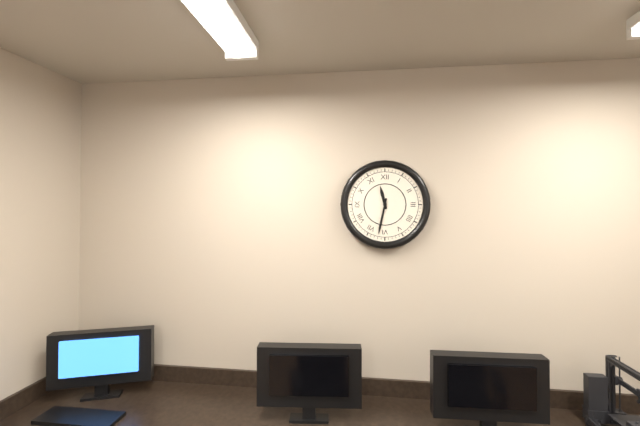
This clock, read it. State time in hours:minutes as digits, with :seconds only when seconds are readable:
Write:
11:32
